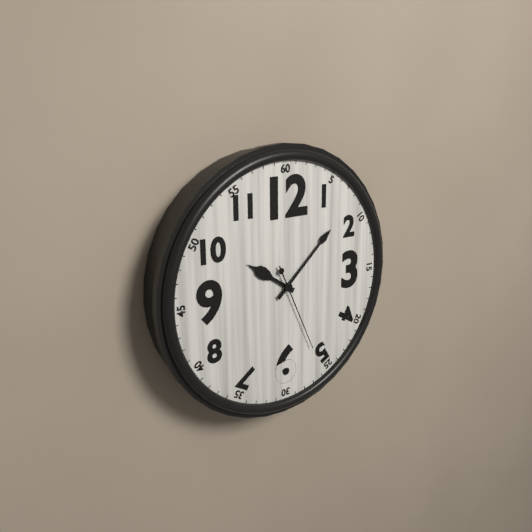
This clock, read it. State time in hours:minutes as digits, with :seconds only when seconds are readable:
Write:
10:08:26
